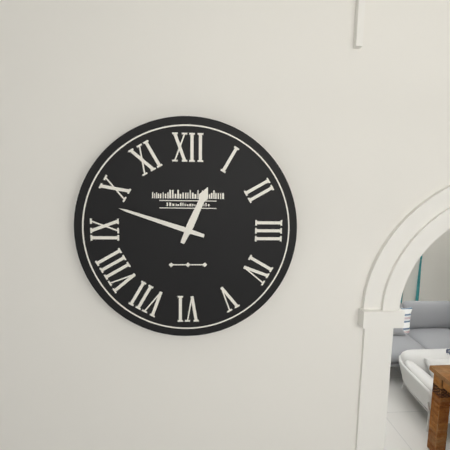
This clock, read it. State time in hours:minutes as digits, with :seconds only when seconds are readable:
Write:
12:48
